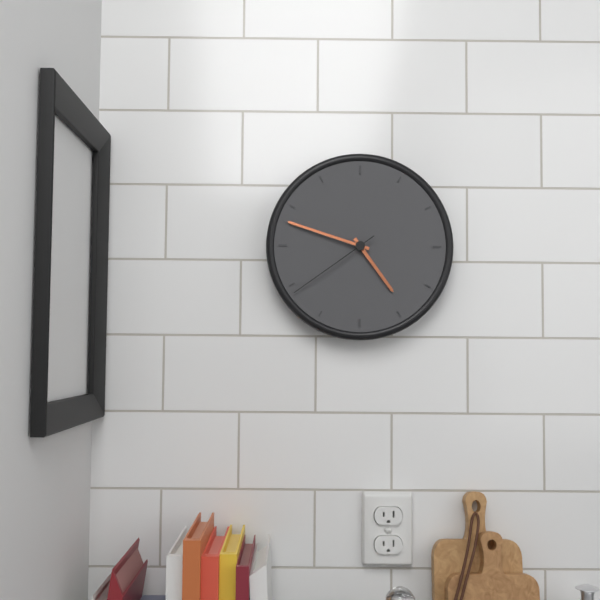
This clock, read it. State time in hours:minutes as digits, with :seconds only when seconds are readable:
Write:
4:48:39
